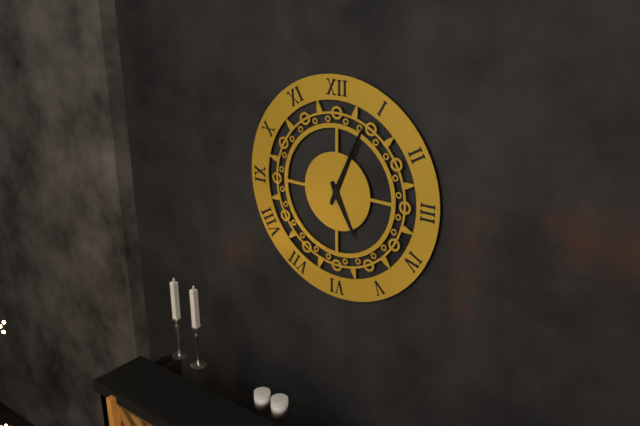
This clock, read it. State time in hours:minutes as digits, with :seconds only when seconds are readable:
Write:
5:04
